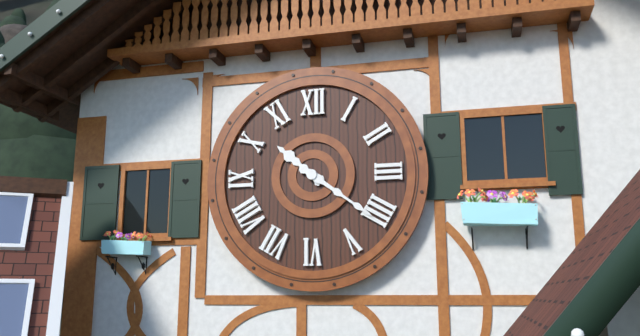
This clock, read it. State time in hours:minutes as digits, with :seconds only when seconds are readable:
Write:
10:21
